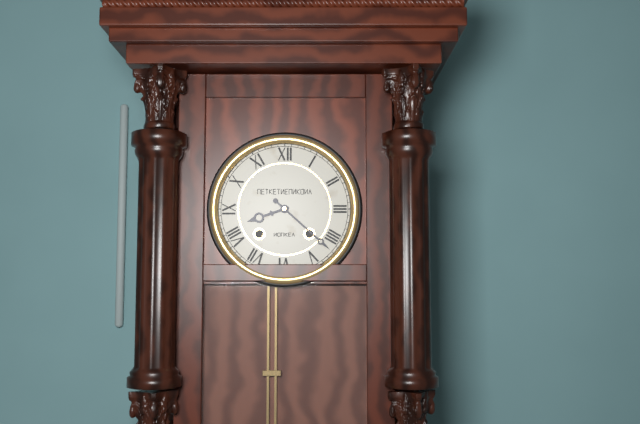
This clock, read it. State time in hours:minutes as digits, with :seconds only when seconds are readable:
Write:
8:22
